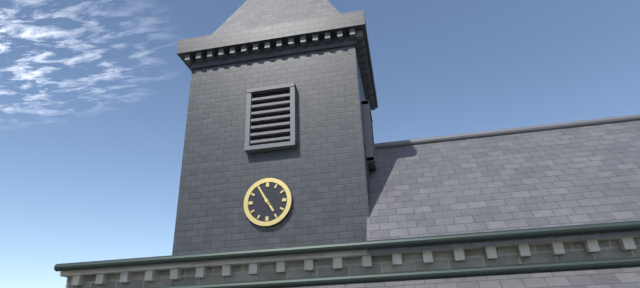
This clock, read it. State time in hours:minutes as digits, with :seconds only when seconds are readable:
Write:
4:55
